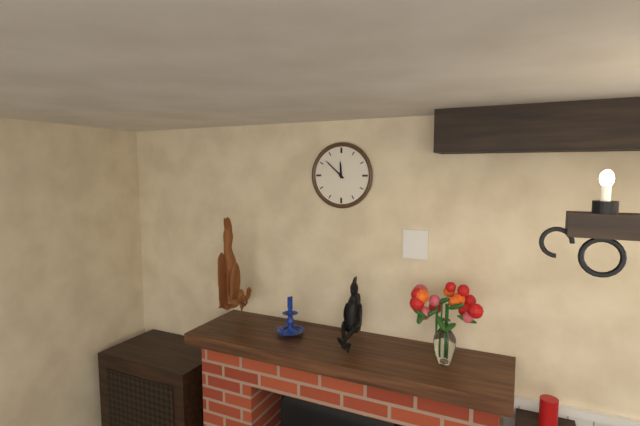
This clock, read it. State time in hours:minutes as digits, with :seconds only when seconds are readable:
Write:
11:52
